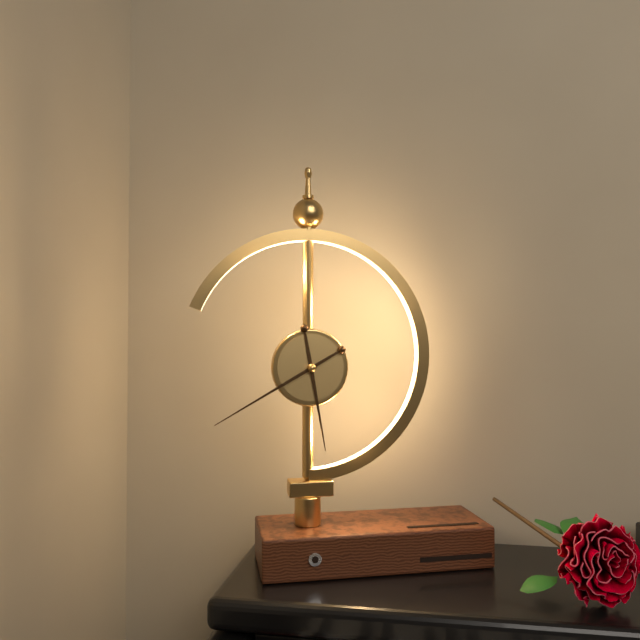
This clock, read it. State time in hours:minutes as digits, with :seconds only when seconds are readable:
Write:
5:40
